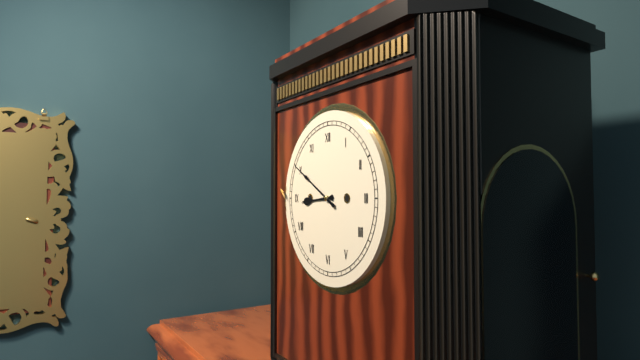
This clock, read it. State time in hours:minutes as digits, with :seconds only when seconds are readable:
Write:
8:50
